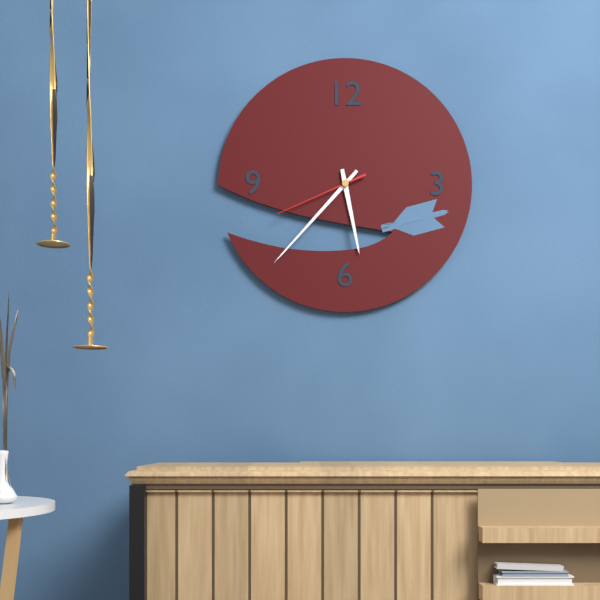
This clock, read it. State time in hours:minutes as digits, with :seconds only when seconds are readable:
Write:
5:37:41
